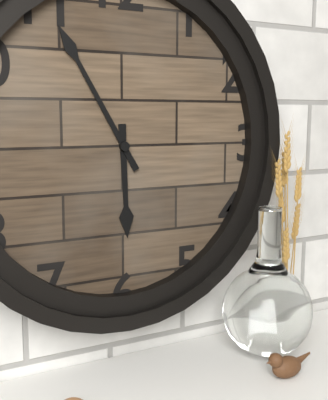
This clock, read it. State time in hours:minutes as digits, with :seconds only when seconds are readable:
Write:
5:55
